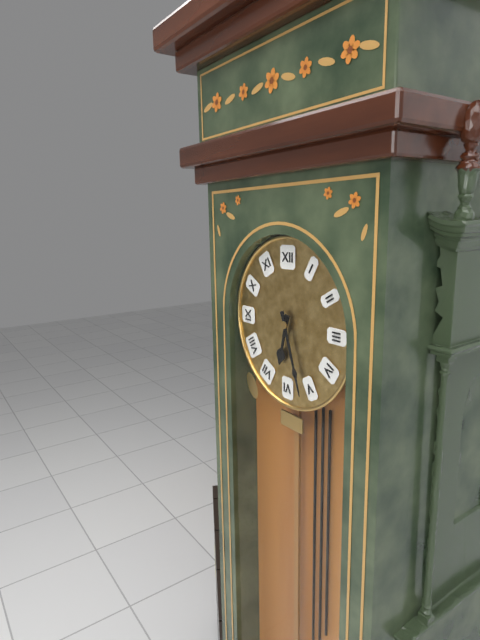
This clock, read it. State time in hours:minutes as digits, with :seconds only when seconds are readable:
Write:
6:27
